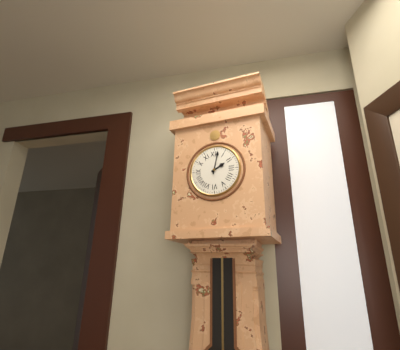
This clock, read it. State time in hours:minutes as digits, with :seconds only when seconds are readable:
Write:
2:02
